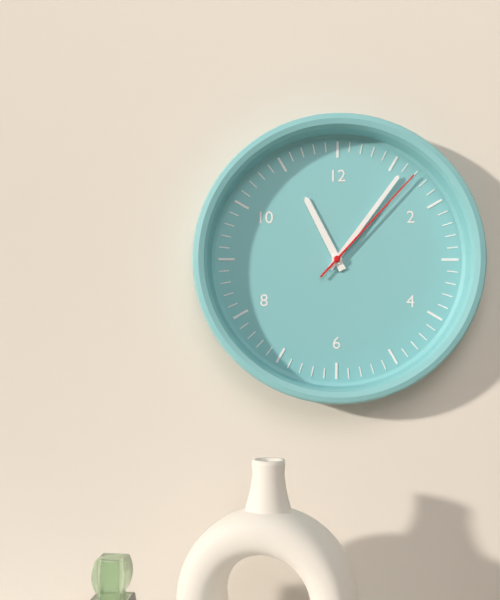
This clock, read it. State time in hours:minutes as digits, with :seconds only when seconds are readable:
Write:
11:06:07
